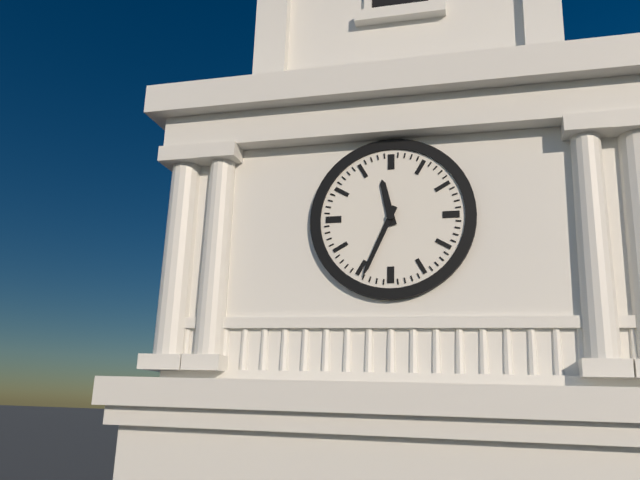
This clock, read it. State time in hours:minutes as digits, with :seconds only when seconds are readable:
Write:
11:34
